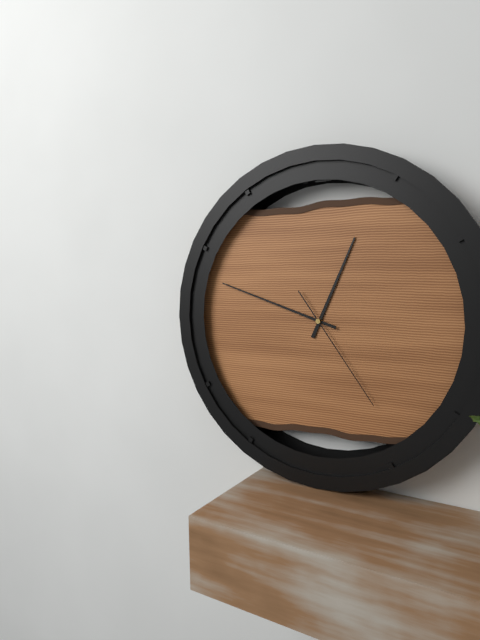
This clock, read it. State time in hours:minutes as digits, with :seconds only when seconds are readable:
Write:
12:48:24
